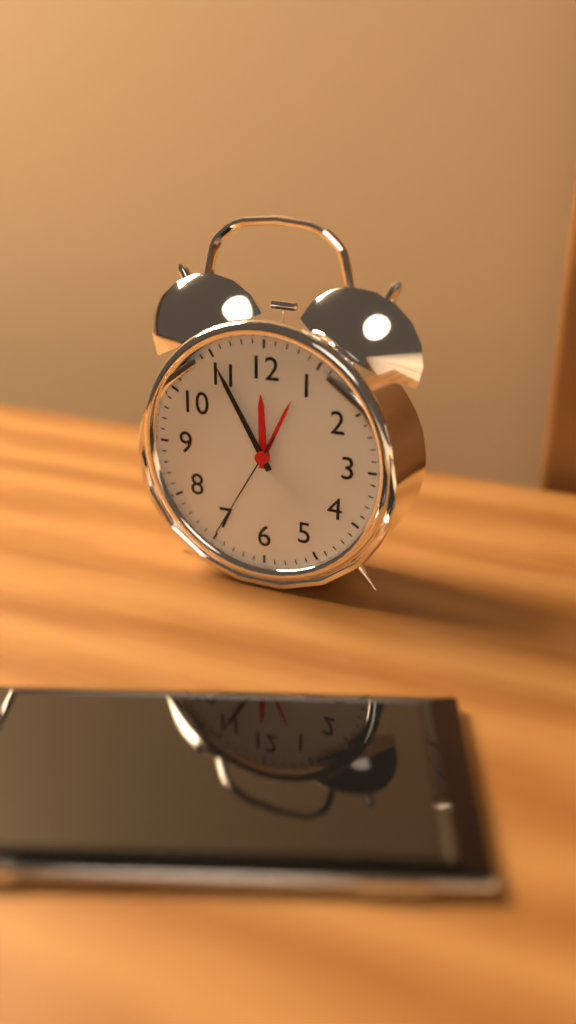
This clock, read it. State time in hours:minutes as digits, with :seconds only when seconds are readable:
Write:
11:55:35
